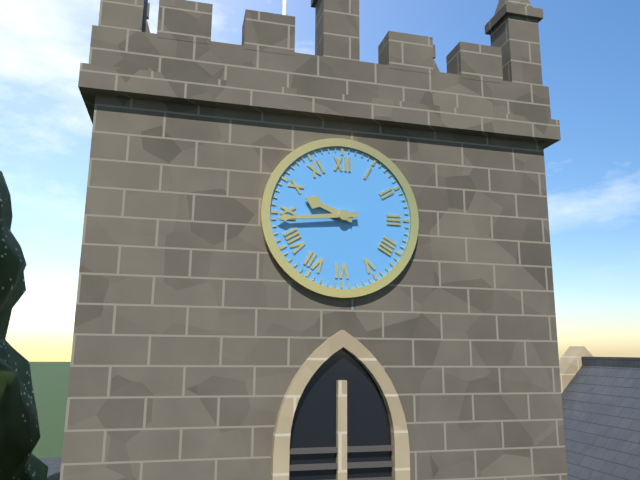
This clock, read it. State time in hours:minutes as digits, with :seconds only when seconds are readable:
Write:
9:44
